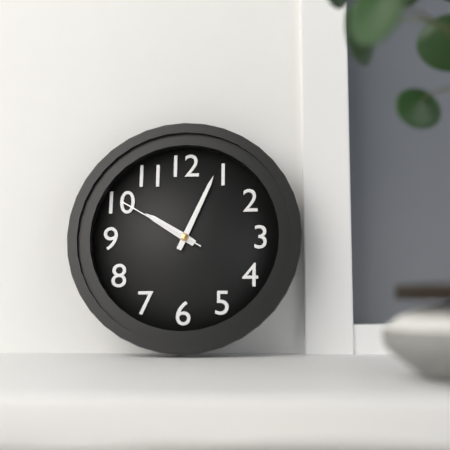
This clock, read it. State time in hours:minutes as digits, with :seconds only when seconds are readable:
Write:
10:04:50
